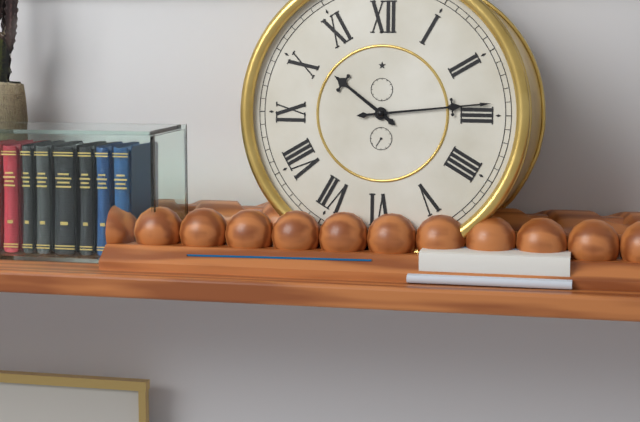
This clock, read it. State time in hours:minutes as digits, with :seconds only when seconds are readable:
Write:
10:14
